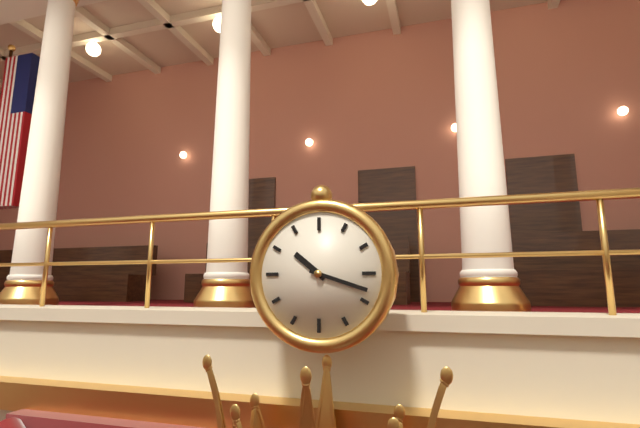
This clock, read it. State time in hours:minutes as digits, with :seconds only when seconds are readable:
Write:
10:18
